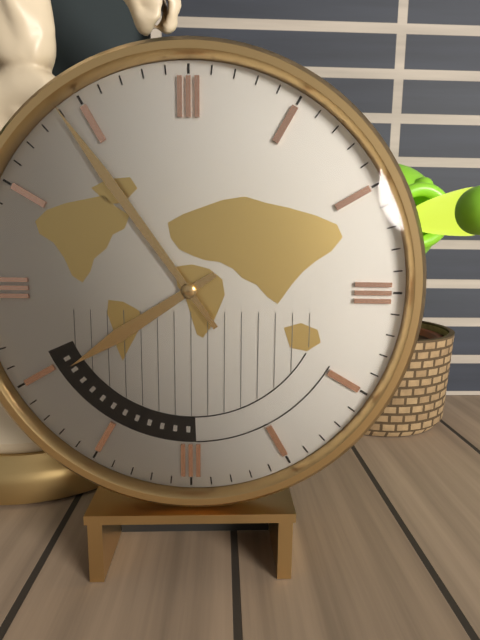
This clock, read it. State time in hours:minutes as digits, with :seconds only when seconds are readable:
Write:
7:54
